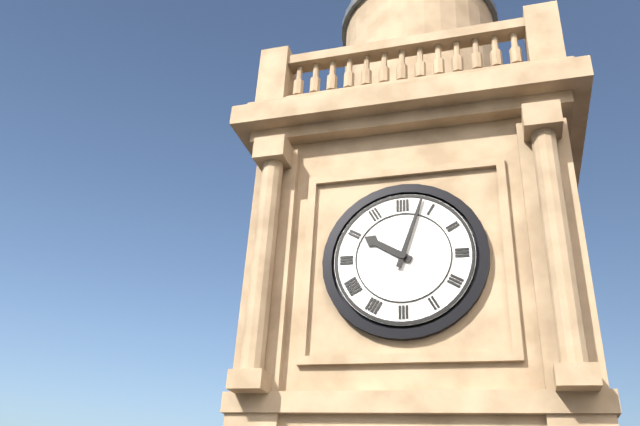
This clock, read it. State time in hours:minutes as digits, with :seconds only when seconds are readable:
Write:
10:03
